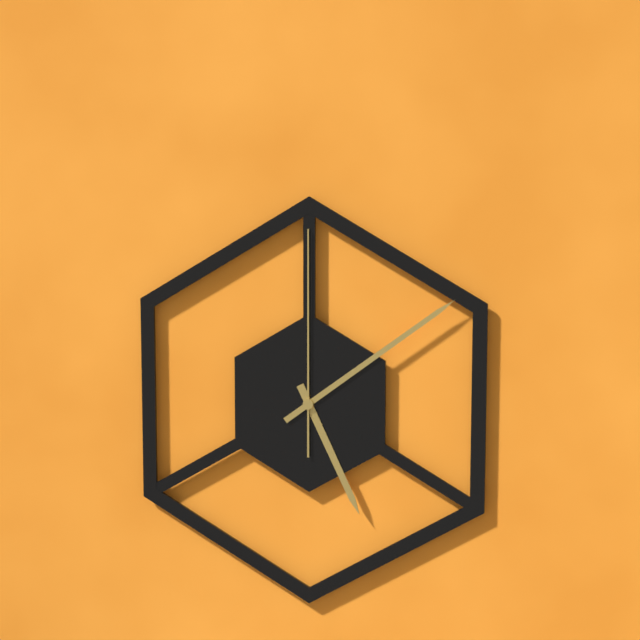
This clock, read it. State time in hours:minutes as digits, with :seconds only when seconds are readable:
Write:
5:09:00
